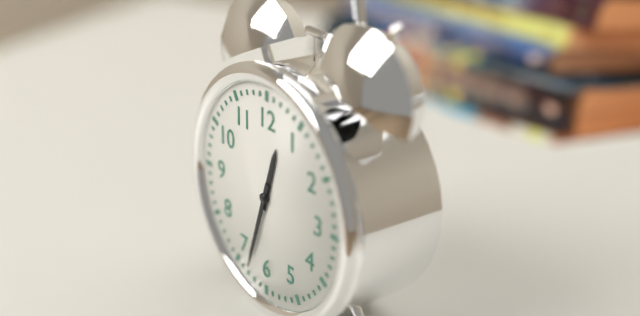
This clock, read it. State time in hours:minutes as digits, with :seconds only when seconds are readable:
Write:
12:33
